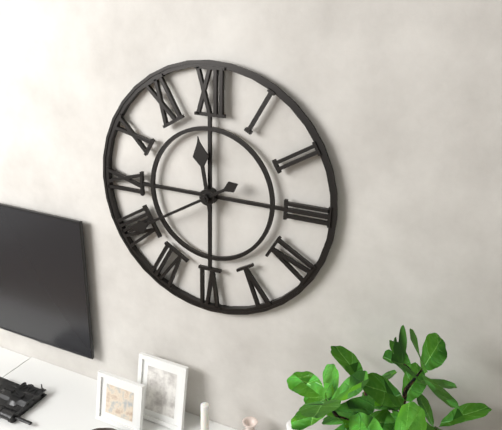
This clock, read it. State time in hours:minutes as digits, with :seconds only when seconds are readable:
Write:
11:40
